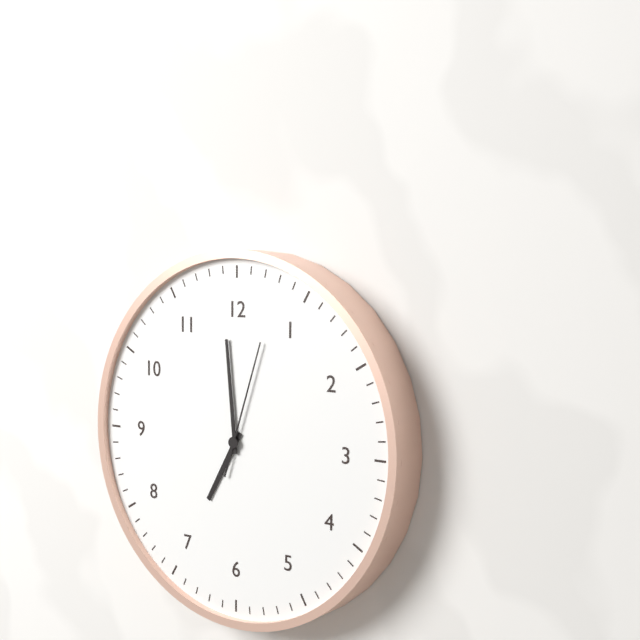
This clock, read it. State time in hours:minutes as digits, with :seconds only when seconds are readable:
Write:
6:59:03
